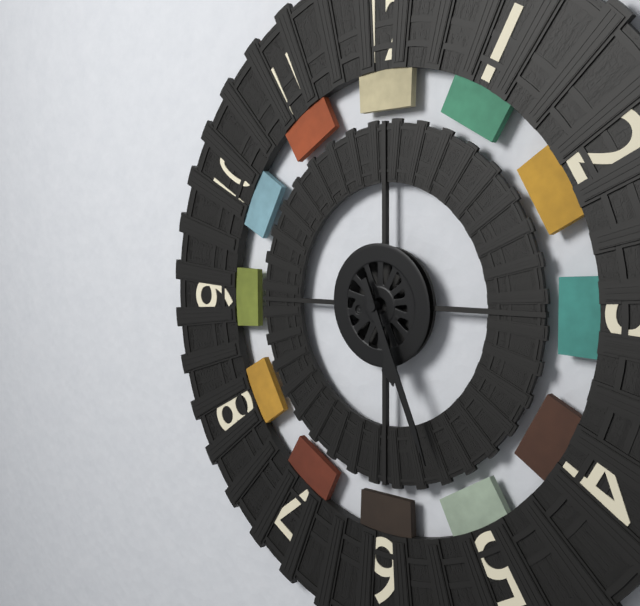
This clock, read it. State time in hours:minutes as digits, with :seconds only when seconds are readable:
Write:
5:26
